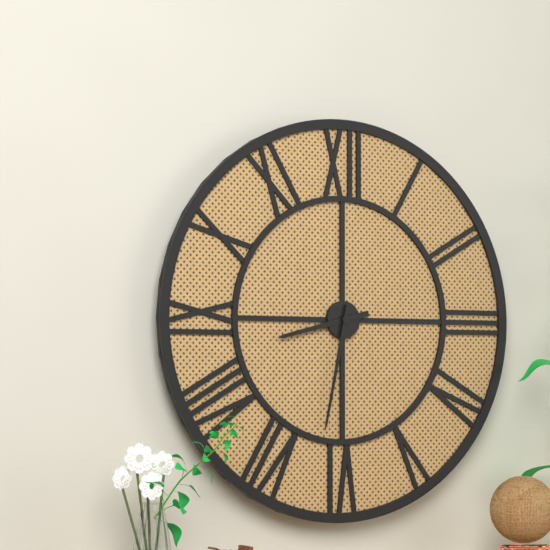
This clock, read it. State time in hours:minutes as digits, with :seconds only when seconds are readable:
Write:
8:32
